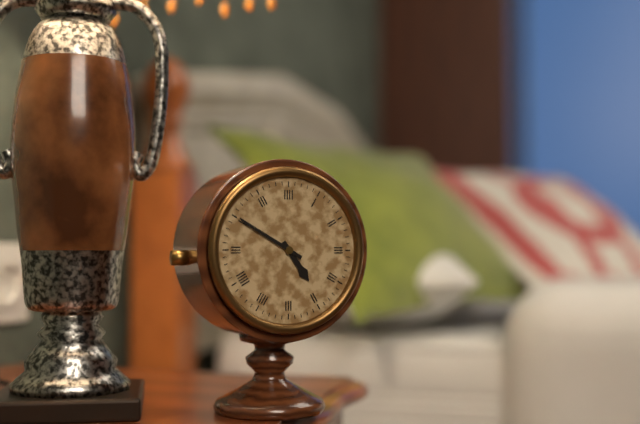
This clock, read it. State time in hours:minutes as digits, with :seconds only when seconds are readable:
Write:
4:50
